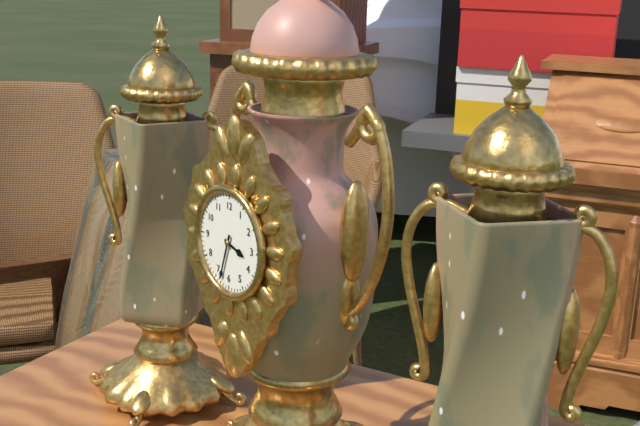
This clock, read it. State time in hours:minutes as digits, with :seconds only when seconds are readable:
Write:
3:33
